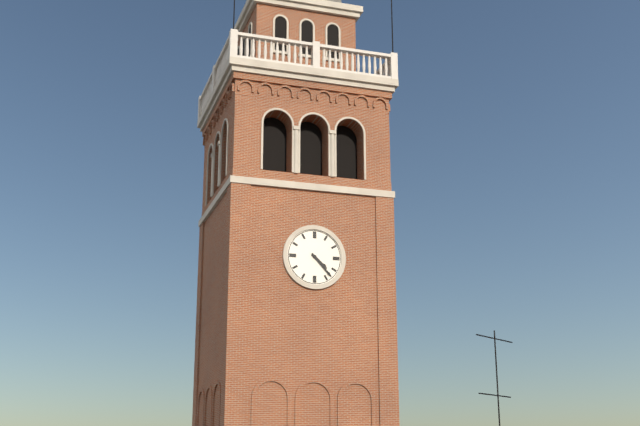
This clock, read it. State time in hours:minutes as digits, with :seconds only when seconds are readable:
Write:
4:23
